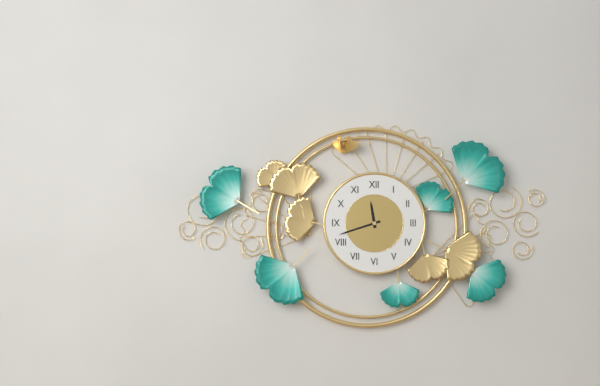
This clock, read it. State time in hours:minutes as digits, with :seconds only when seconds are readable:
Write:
11:42
